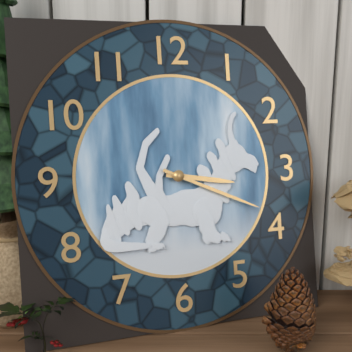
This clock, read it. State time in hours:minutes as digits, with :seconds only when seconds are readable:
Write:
3:19
